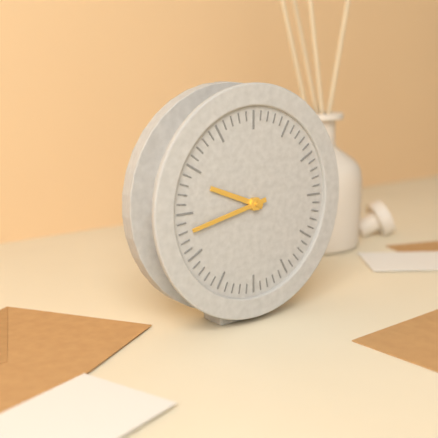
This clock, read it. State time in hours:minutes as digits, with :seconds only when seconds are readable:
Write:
9:43
